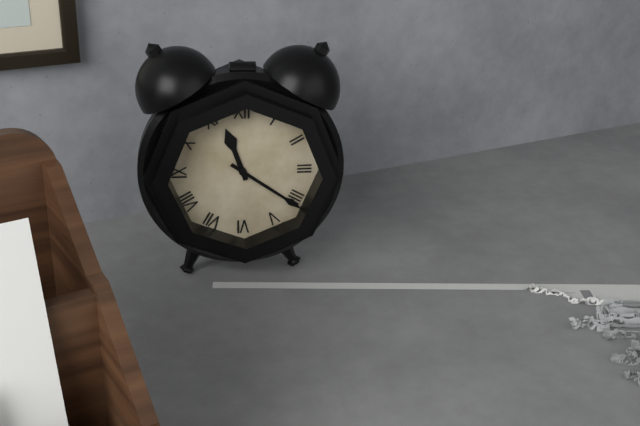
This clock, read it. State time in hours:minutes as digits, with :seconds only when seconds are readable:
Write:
11:21
